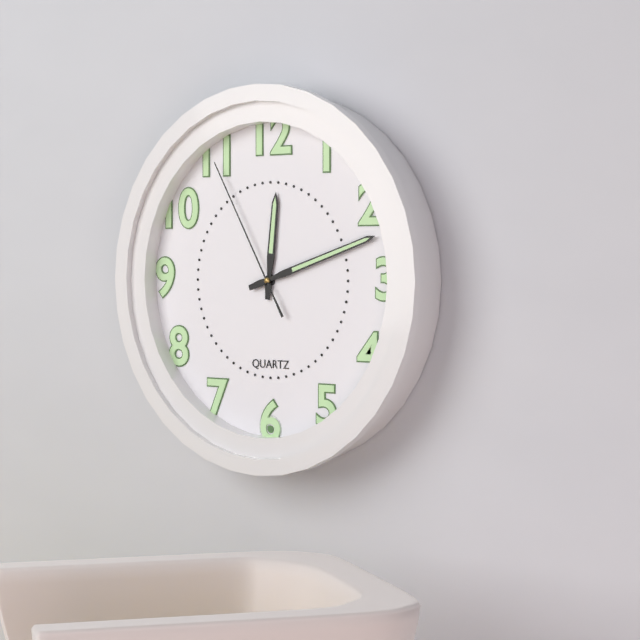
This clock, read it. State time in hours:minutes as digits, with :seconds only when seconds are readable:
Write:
12:12:55
